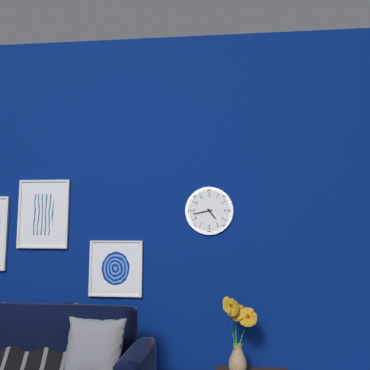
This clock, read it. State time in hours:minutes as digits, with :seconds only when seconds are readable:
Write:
4:43
